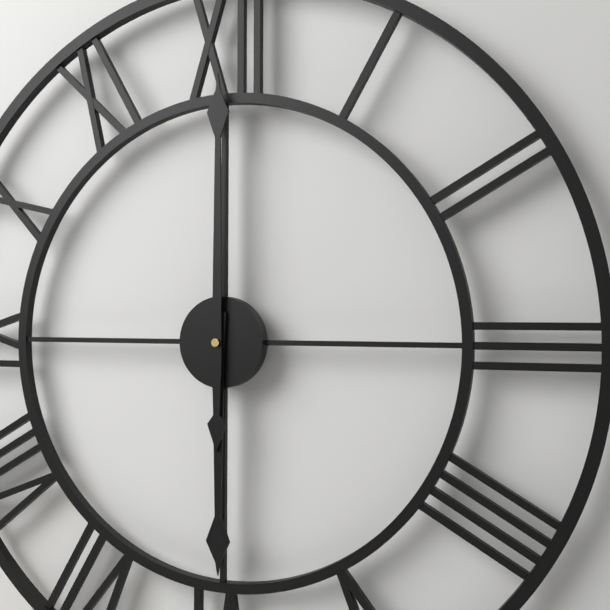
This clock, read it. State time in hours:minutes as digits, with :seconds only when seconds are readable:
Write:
6:00
